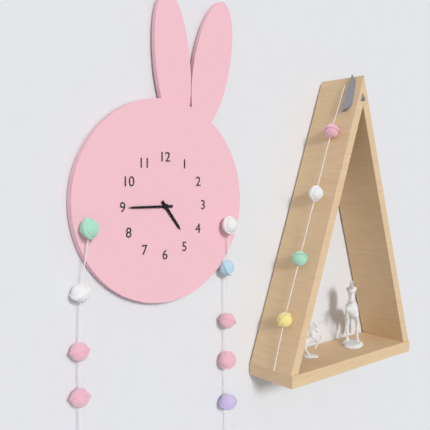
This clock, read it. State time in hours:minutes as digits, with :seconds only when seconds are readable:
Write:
4:45
